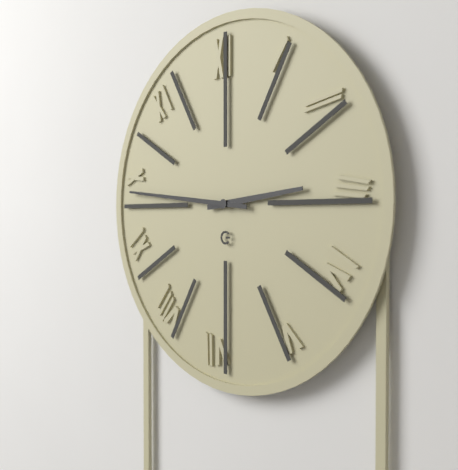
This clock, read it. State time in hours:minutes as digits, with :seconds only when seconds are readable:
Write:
2:46
